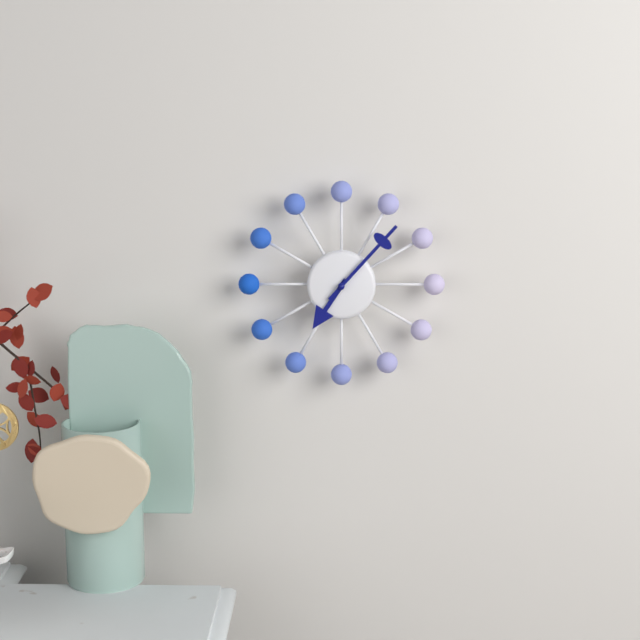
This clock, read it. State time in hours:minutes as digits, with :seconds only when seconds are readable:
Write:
7:07
